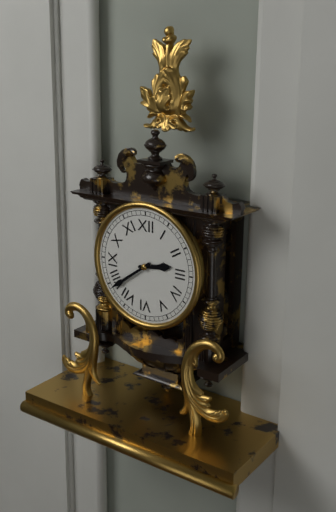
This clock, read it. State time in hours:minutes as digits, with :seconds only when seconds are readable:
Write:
2:39
